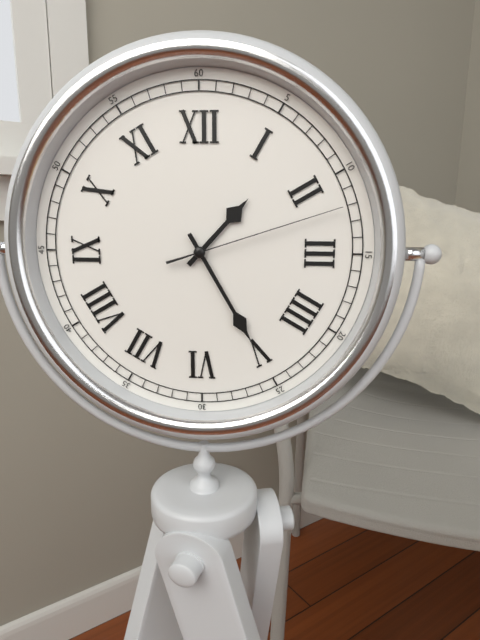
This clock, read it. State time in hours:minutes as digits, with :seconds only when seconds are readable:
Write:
1:25:12
